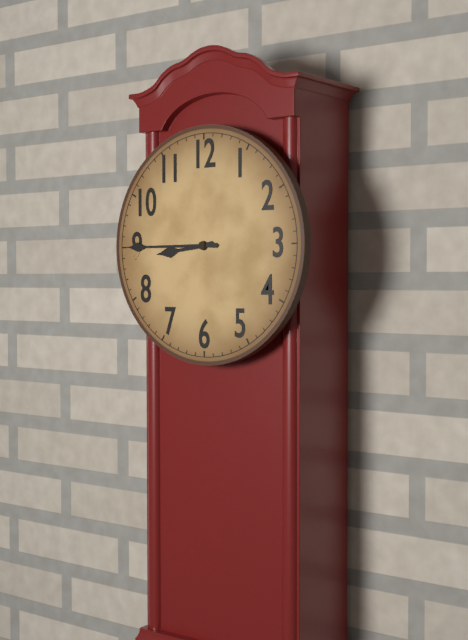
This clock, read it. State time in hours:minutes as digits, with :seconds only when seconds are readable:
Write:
8:45
